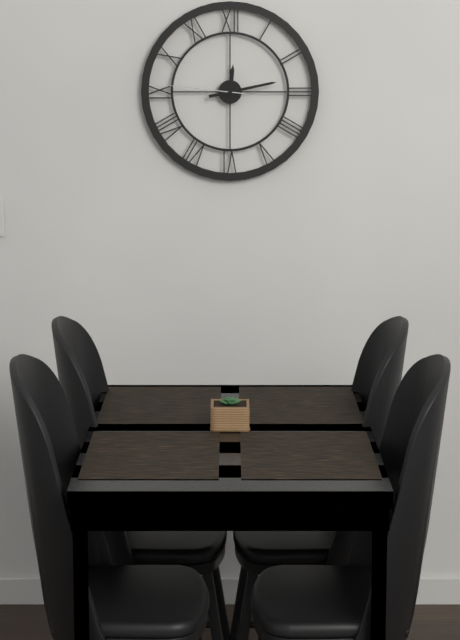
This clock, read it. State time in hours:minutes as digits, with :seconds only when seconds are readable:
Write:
12:13:46
